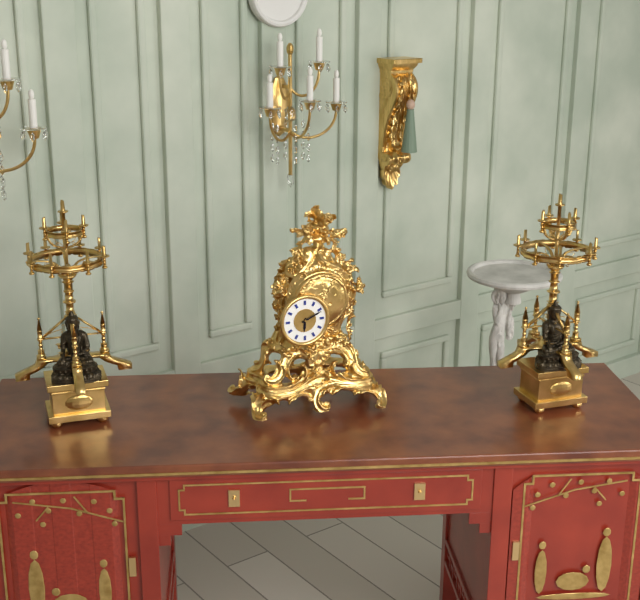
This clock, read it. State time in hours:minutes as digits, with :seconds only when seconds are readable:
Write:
6:11
